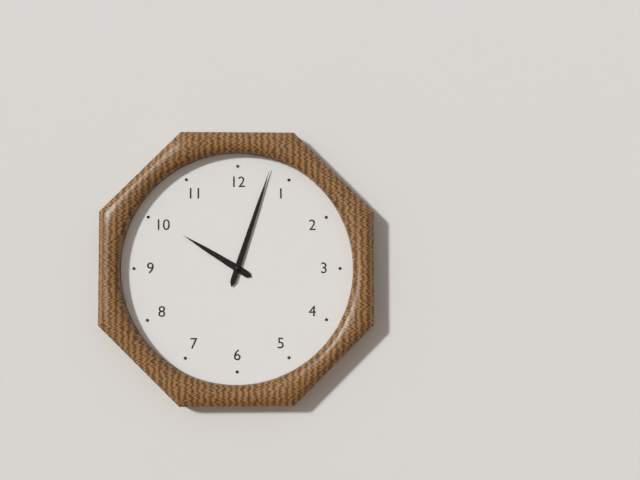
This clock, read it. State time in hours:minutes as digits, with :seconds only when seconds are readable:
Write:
10:03
